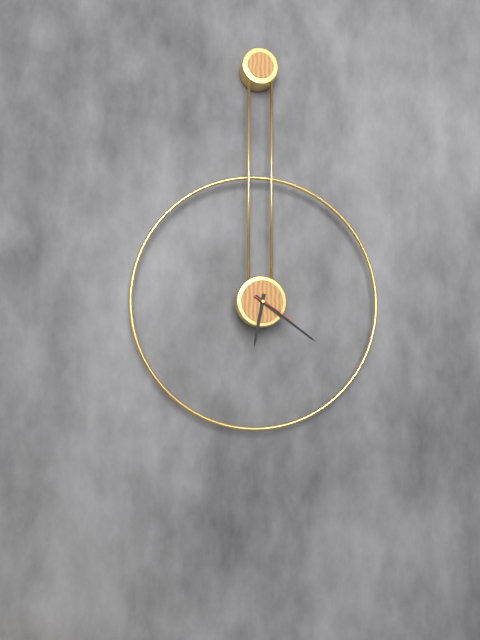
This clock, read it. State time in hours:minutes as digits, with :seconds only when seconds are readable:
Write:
6:21
